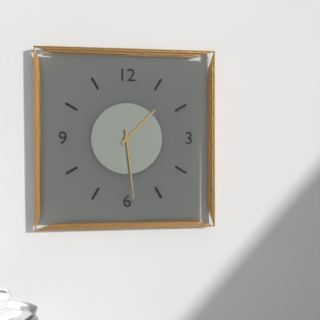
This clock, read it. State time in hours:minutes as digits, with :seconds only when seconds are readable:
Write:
1:29
